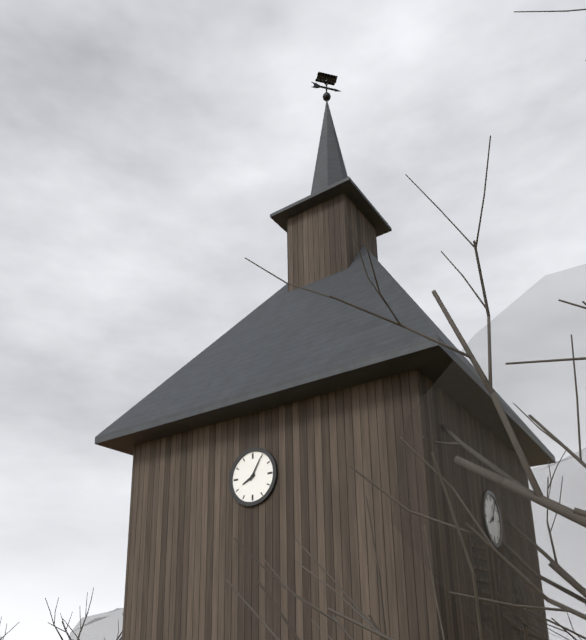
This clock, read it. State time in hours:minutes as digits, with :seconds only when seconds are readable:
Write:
8:05
